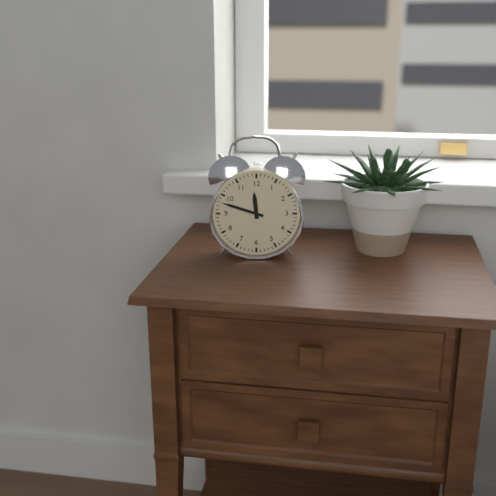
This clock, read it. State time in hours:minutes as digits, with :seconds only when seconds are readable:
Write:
11:48
